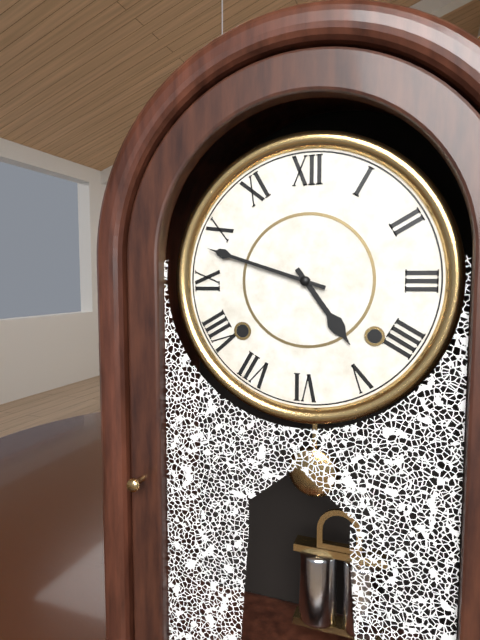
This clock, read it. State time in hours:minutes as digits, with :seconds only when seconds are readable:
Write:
4:48
